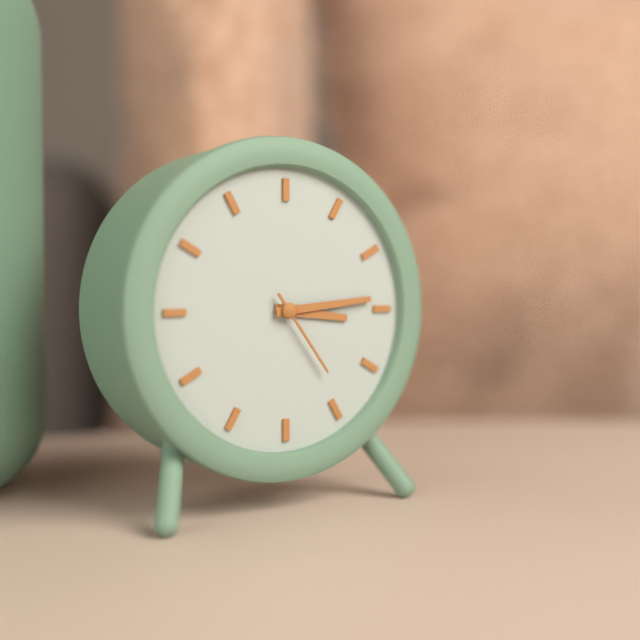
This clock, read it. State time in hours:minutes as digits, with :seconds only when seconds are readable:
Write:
3:14:24
